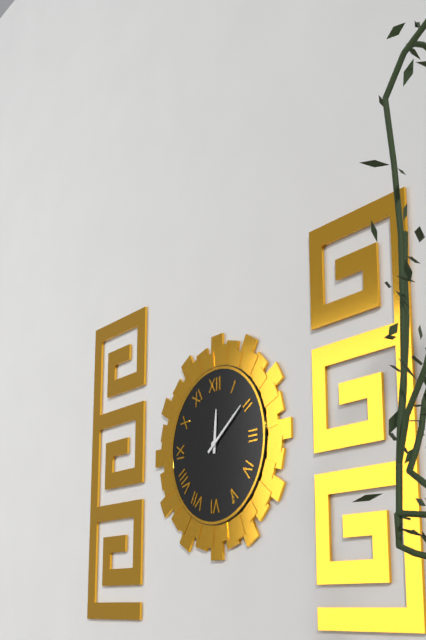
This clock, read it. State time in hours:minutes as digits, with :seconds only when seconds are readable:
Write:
12:09
